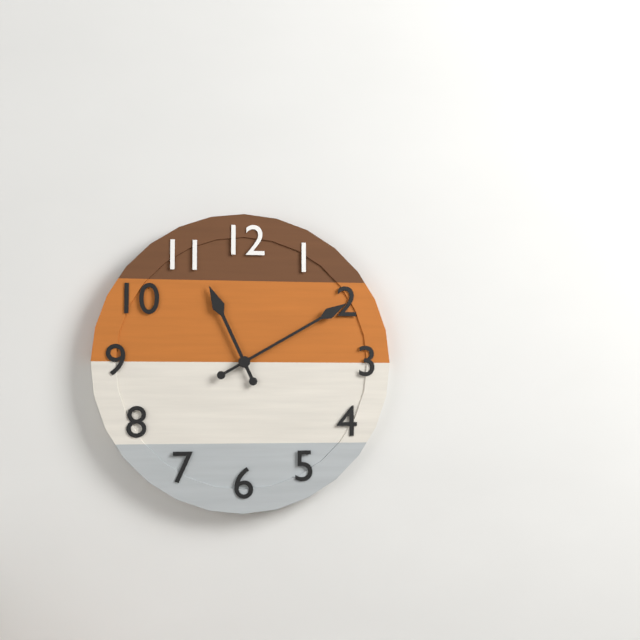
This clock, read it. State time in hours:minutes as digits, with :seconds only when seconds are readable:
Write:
11:10
